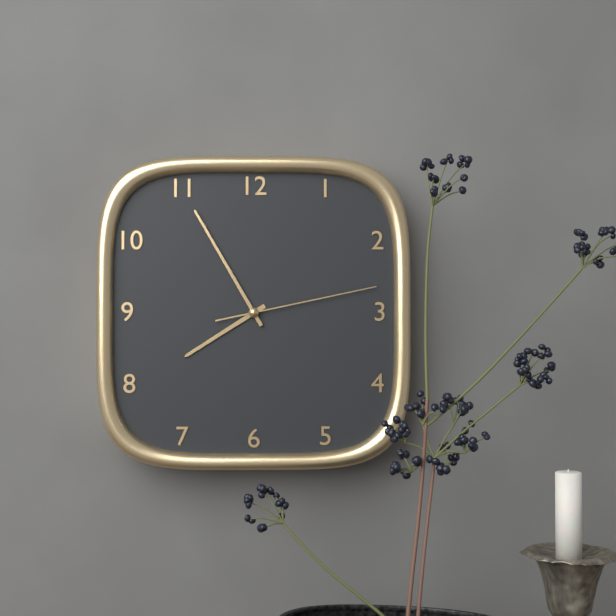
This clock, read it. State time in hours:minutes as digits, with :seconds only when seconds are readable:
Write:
7:55:13
